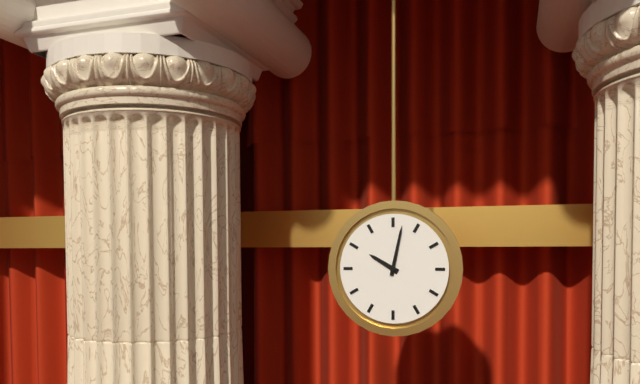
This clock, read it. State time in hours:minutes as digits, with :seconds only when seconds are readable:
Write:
10:02
